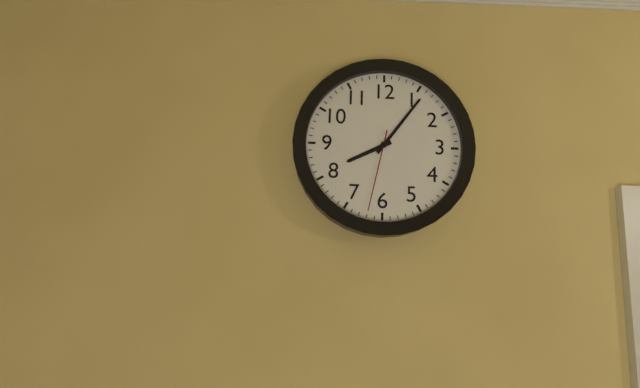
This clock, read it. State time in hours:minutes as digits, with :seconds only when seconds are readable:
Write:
8:06:32
